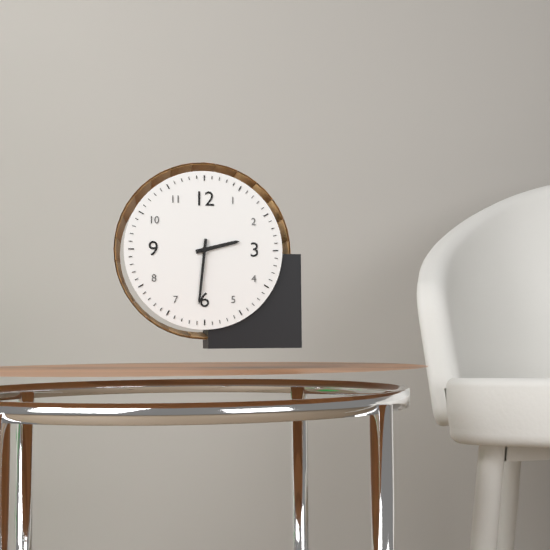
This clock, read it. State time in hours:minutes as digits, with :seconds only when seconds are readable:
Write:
2:31
